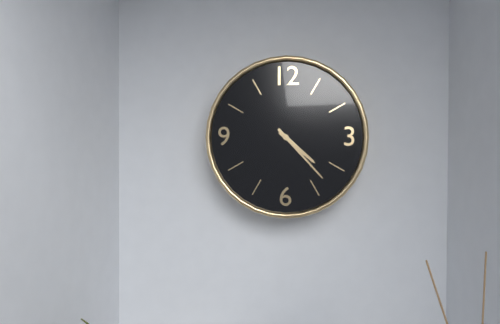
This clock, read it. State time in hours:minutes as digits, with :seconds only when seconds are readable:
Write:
4:23
